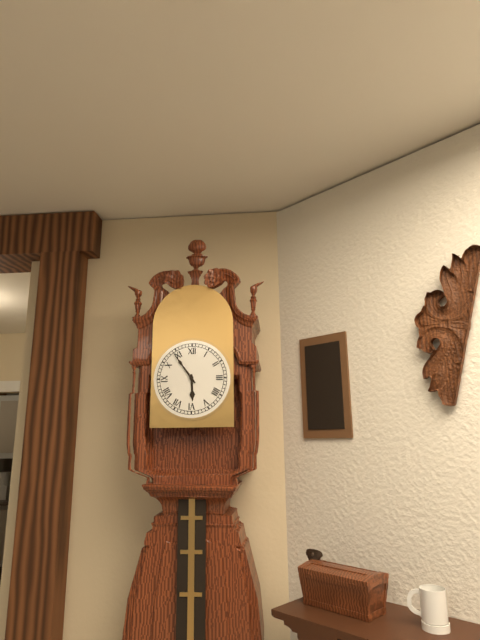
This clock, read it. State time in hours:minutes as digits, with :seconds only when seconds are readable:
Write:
5:54
